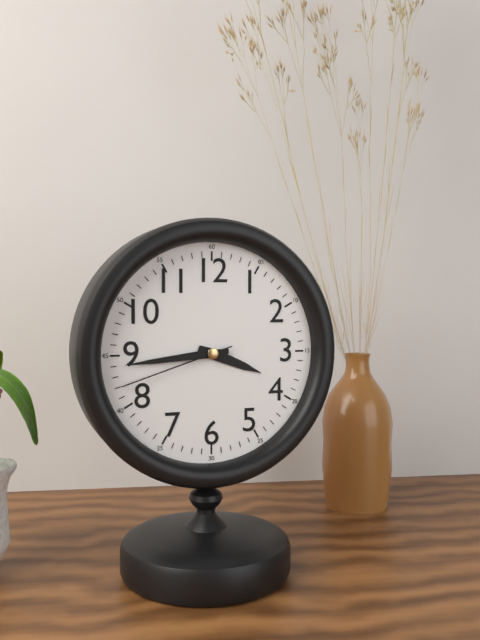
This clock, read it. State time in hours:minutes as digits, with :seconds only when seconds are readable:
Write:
3:44:42
